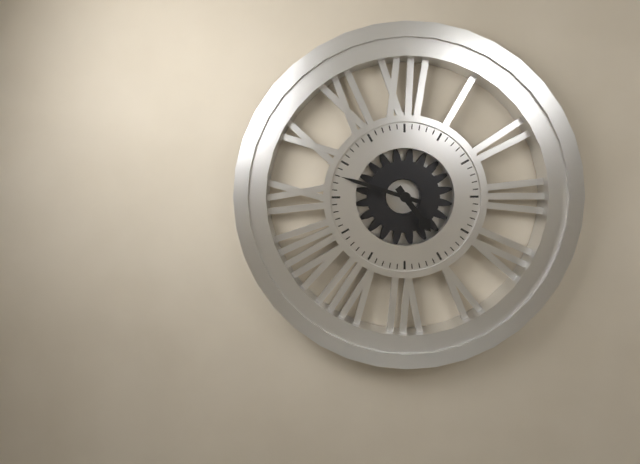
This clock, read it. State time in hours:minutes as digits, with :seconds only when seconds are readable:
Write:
4:48
